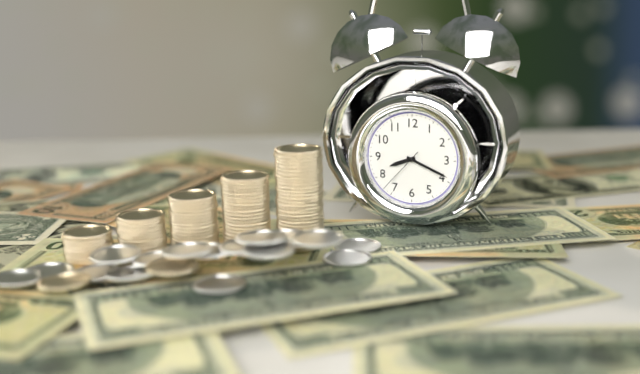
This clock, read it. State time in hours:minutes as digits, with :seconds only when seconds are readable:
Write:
8:19:37
